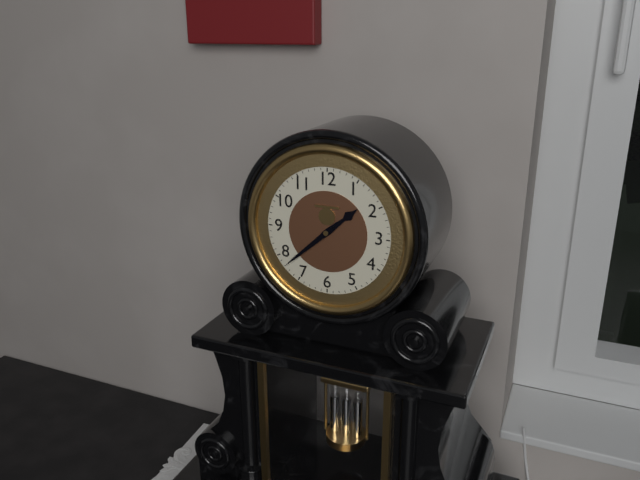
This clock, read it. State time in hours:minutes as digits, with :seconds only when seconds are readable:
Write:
1:38
